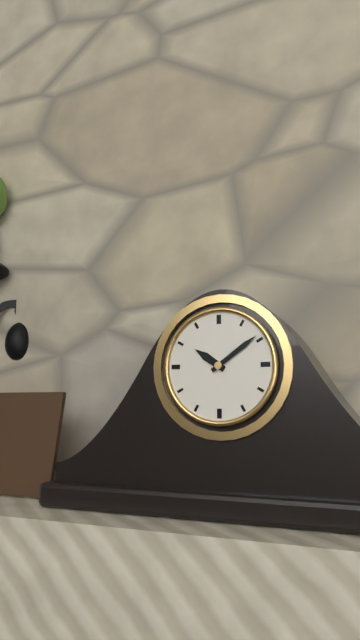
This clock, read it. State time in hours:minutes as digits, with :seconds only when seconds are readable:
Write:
10:09
